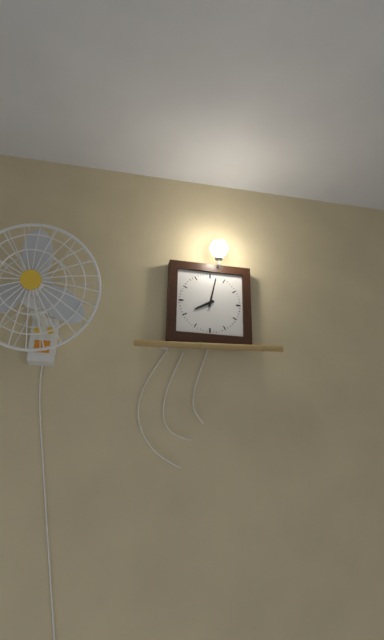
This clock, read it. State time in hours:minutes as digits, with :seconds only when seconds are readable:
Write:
8:02
